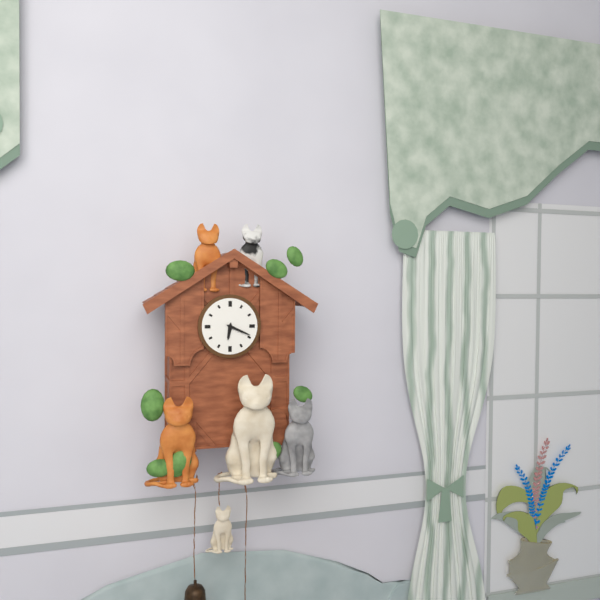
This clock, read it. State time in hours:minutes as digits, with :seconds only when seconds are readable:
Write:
6:19
